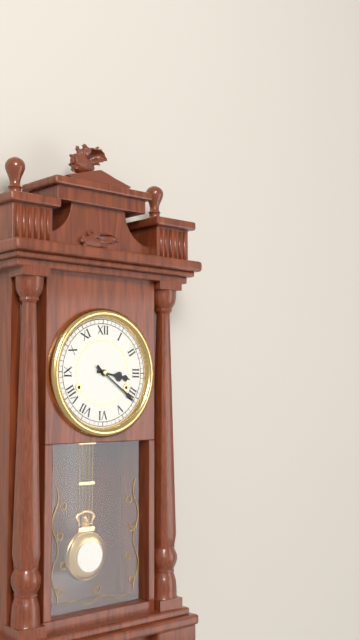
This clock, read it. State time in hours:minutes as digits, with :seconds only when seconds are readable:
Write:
3:21
